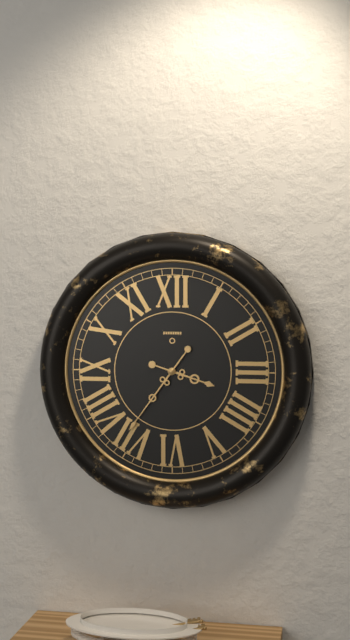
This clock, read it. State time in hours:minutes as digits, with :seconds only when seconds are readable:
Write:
3:36
